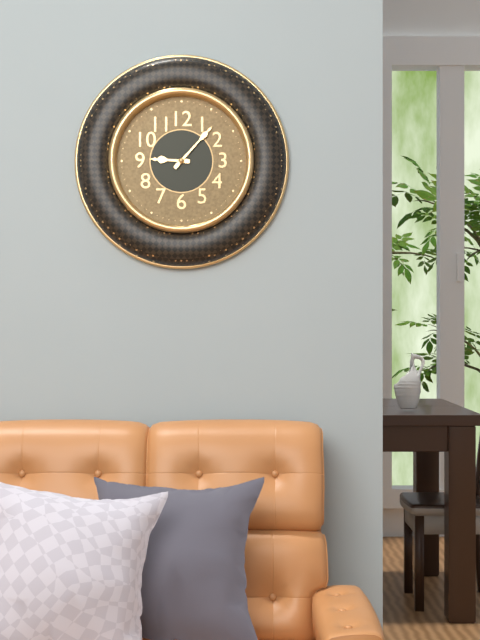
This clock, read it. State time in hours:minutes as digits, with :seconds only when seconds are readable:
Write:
9:07
